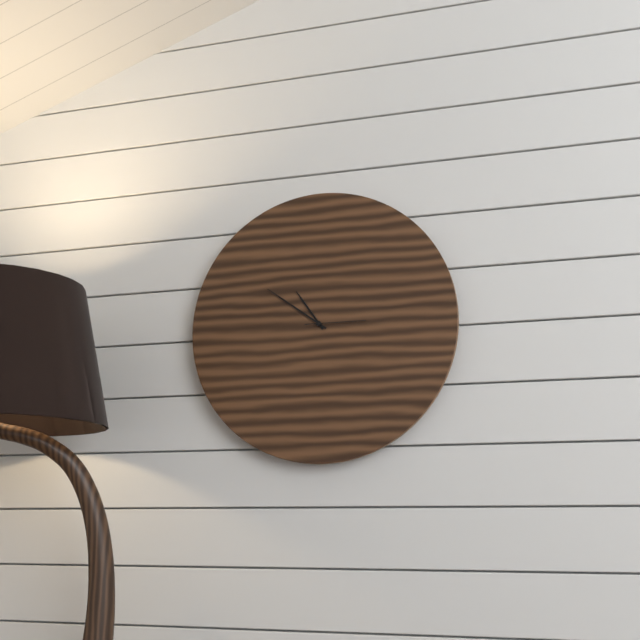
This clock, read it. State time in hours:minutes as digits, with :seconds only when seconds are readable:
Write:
10:51:15
